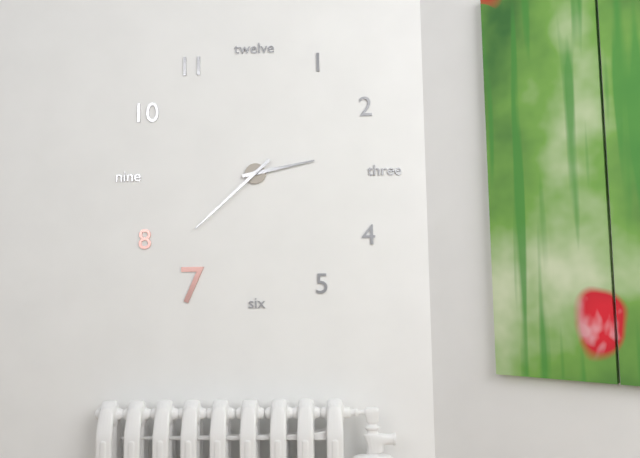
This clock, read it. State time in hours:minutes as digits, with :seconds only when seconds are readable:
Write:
2:38
